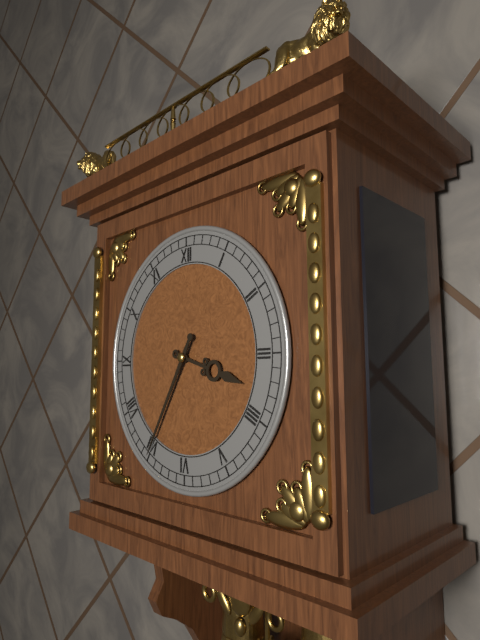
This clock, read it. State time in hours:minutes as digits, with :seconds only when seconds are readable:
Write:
3:35
